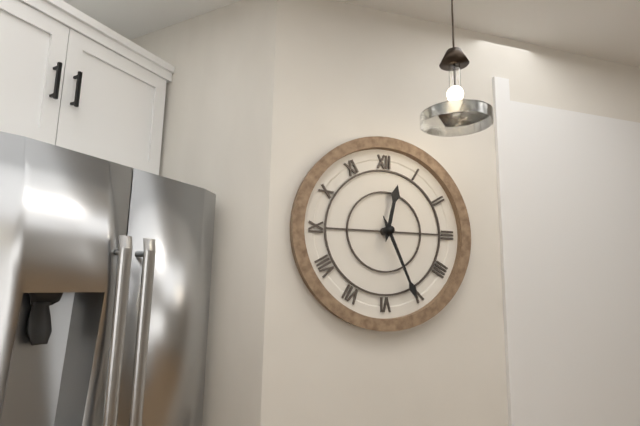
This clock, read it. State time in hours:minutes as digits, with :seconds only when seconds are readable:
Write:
12:26
